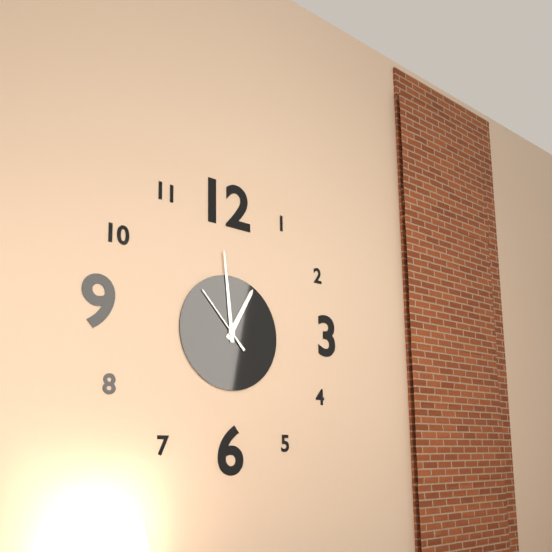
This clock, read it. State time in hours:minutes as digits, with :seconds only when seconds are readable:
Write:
12:59:53
